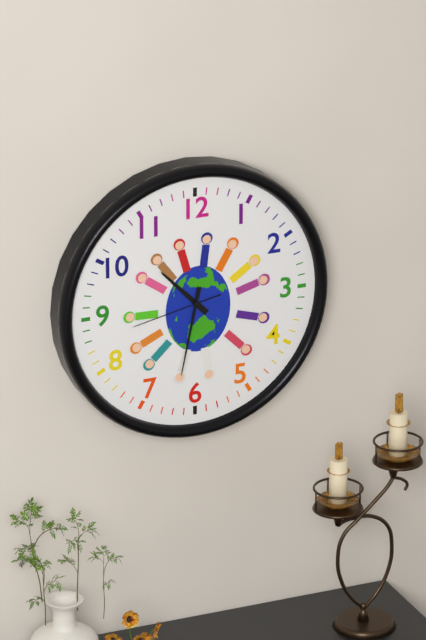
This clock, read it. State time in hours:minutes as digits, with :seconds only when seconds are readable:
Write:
10:32:43
